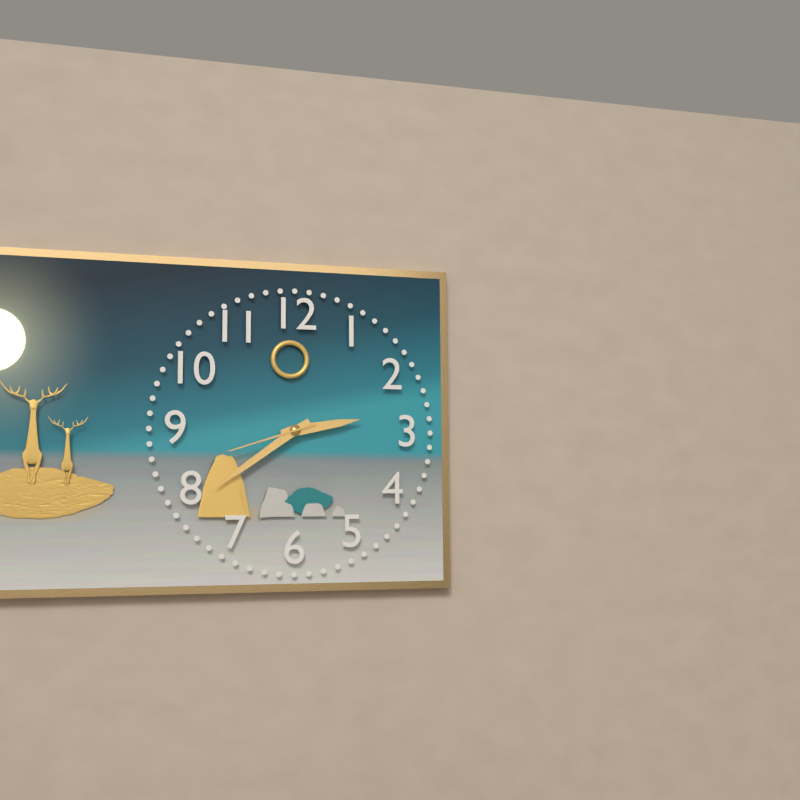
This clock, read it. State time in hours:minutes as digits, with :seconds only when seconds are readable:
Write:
2:39:42
